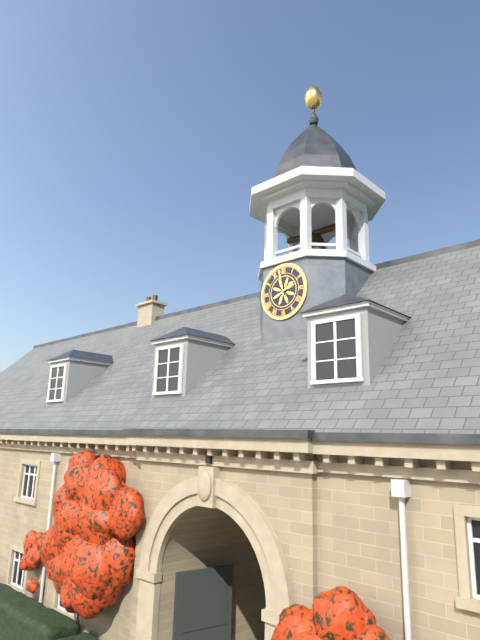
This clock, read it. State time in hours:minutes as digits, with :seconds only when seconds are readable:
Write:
1:58
